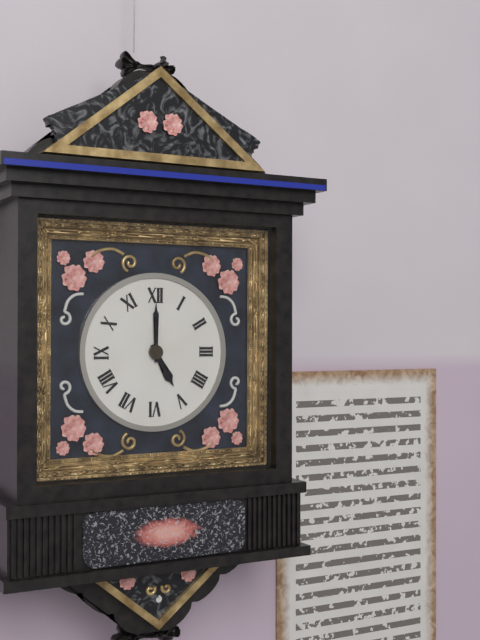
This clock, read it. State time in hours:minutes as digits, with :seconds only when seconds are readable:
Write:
5:00
